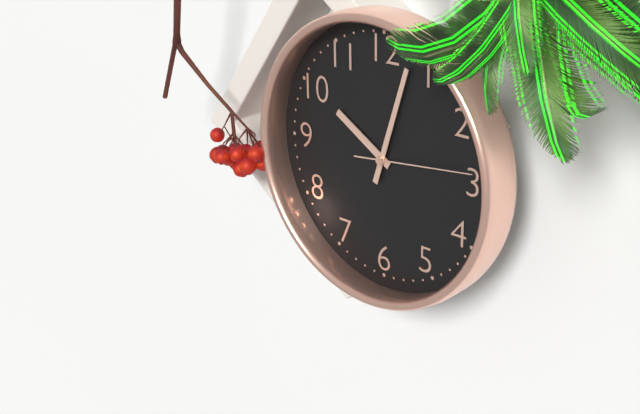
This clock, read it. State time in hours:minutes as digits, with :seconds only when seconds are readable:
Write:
10:03:14
